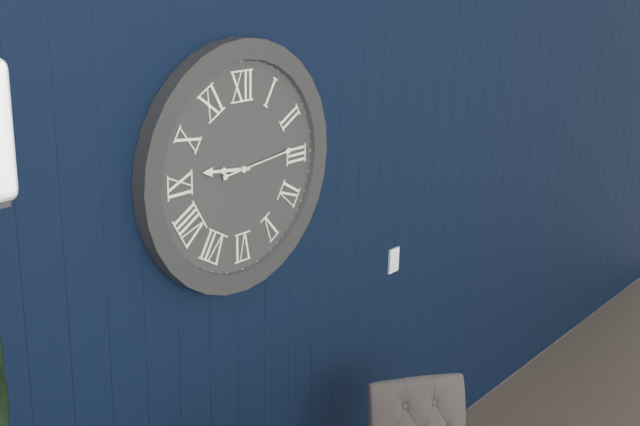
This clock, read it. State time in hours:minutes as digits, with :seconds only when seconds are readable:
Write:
9:14
